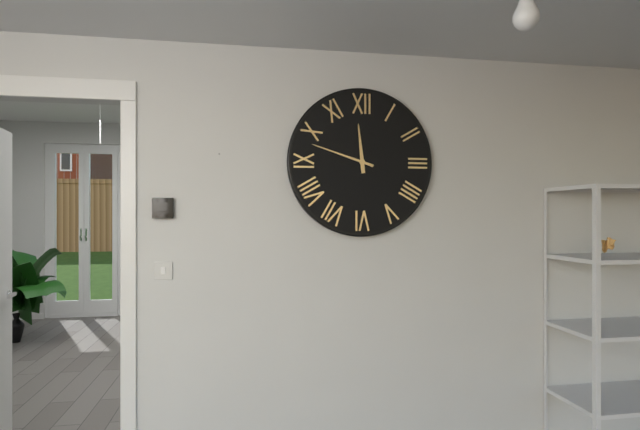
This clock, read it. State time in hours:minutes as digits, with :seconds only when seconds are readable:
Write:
11:48
